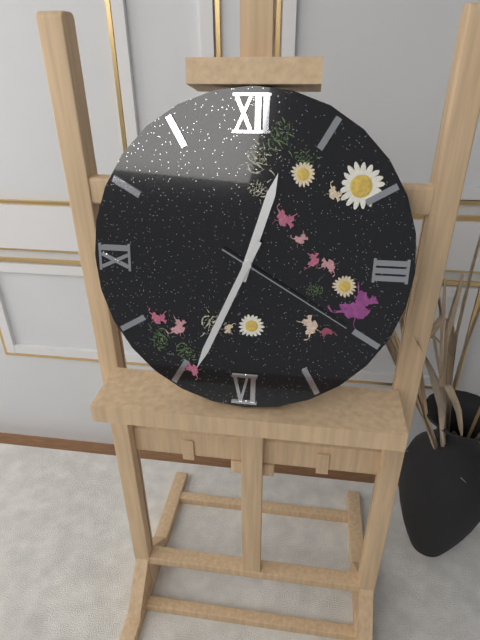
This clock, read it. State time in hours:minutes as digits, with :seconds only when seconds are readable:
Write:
12:34:20
